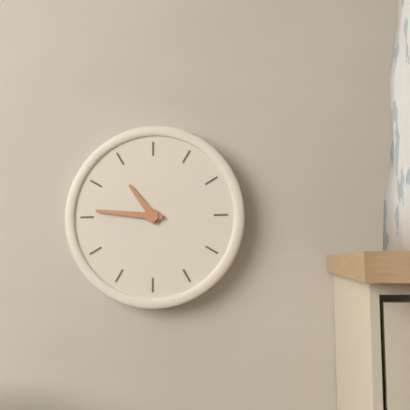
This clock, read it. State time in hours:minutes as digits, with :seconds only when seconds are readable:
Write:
10:46
